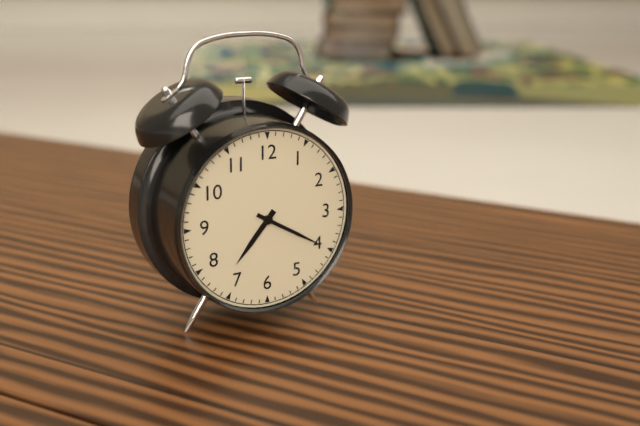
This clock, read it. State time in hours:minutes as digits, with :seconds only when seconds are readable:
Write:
7:20
